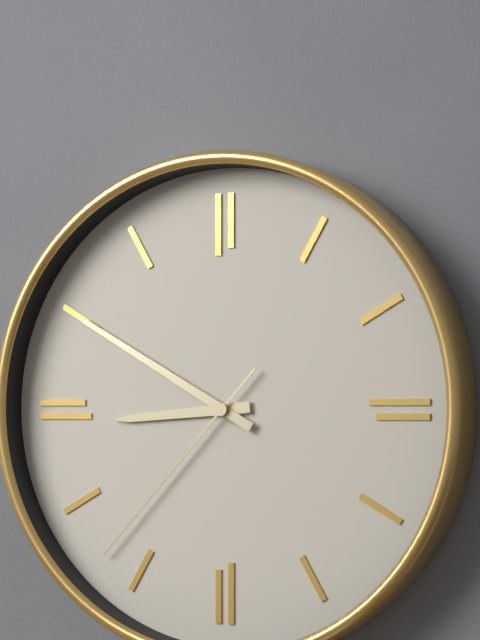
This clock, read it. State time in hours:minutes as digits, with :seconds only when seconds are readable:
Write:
8:50:37
